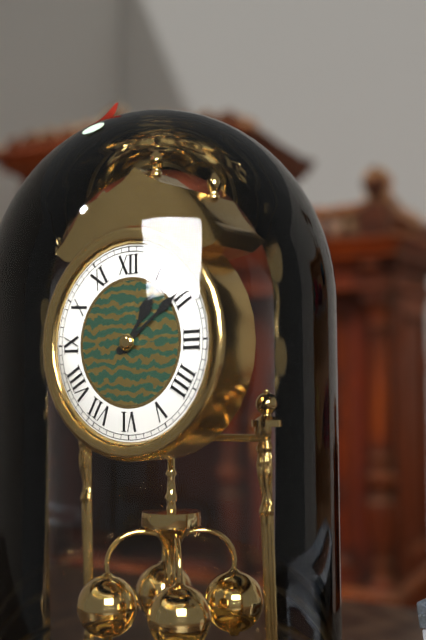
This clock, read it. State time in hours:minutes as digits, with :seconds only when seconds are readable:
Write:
1:09
